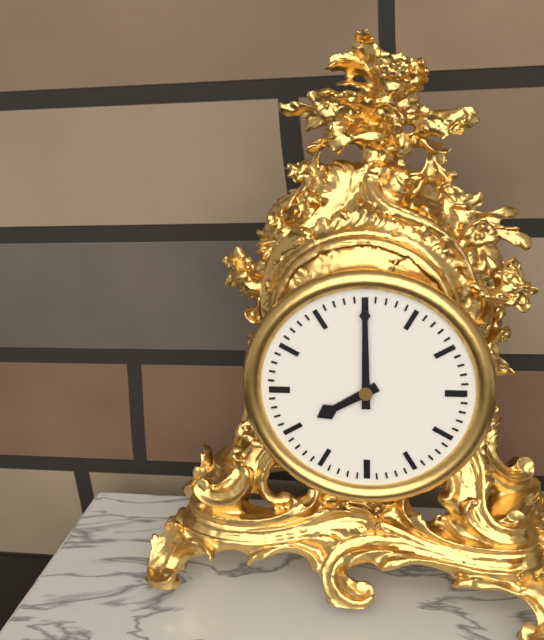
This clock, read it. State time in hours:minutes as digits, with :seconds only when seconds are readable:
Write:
8:00
